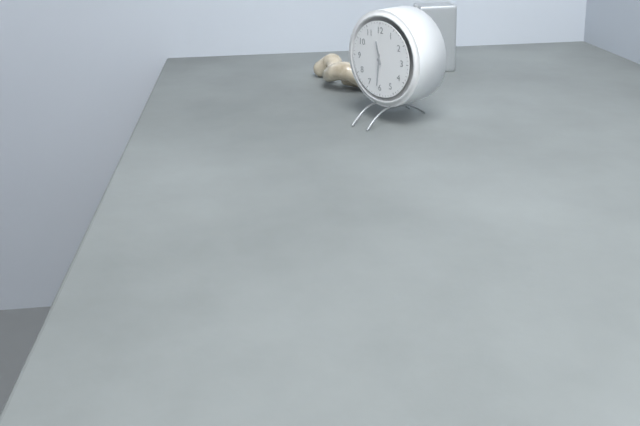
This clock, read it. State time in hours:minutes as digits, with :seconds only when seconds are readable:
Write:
11:31
